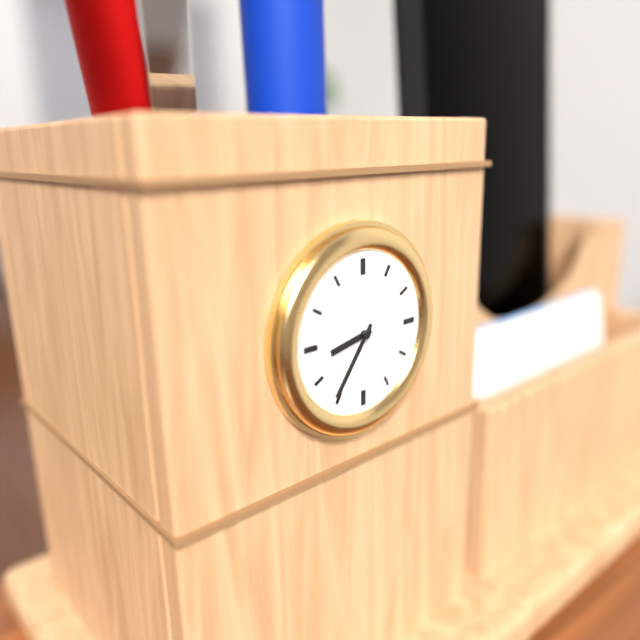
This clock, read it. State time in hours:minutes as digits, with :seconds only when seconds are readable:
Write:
8:36
